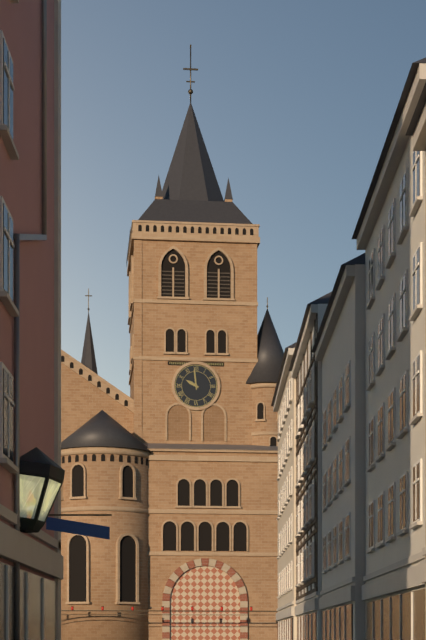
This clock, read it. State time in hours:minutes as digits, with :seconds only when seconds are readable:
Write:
9:59
